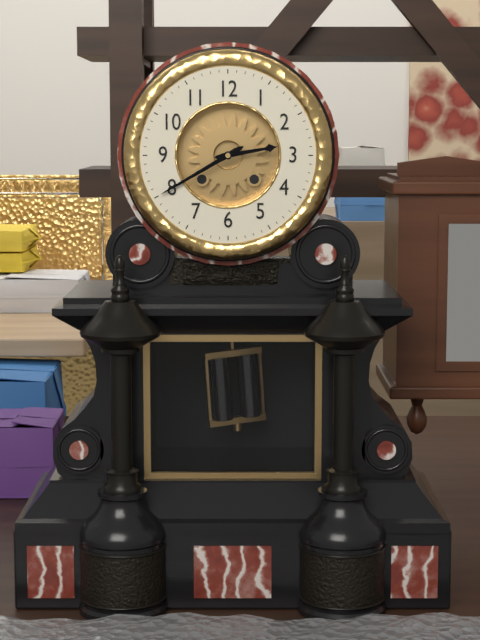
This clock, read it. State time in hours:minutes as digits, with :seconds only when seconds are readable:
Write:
2:40
